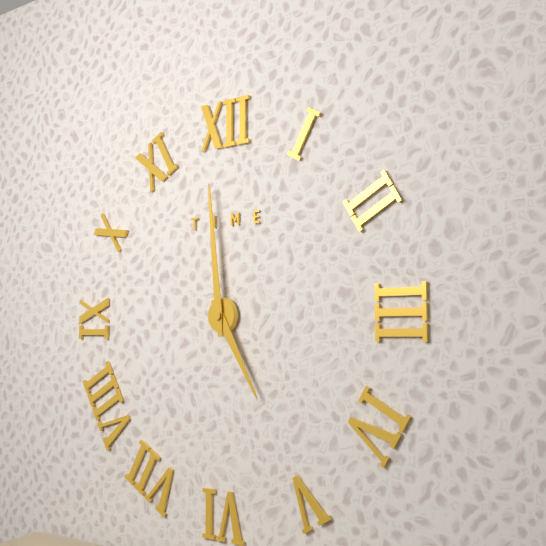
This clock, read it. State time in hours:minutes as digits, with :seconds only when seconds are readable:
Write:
4:59
